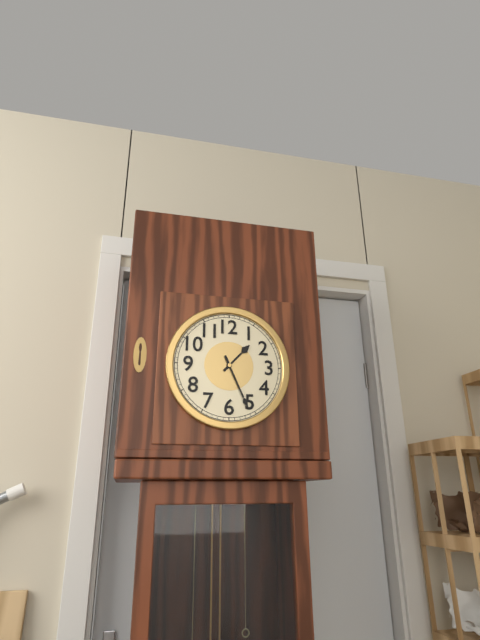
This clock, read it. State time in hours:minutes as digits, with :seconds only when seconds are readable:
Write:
1:26
